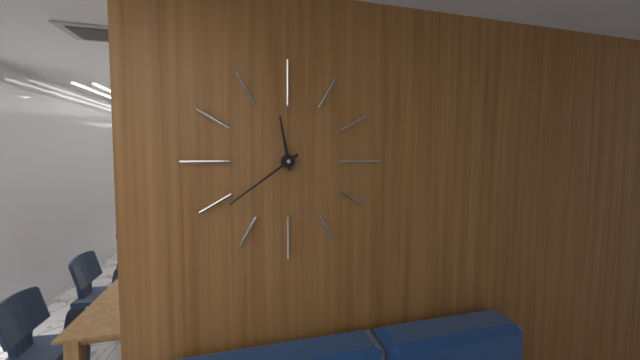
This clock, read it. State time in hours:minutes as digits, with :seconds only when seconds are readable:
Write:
11:39
